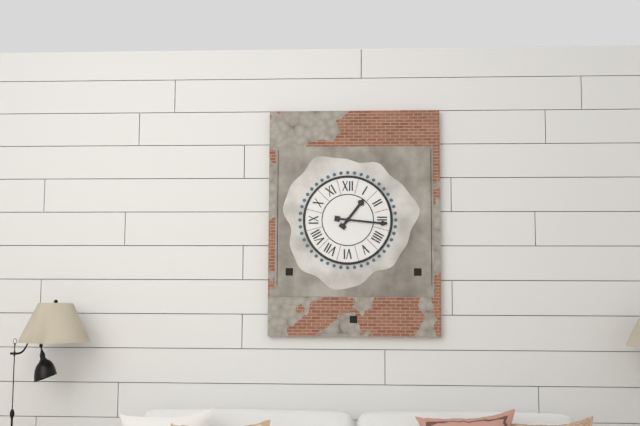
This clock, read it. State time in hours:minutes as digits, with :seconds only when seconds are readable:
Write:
1:16
